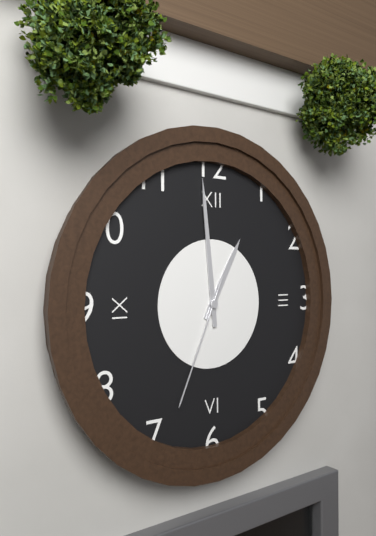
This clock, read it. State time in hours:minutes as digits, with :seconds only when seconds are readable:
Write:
12:59:34
